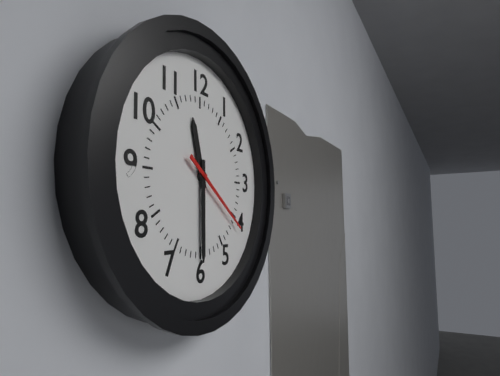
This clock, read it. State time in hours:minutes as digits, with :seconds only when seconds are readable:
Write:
11:30:21
